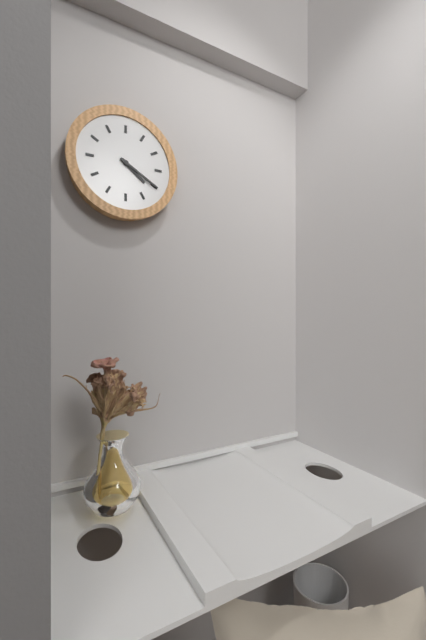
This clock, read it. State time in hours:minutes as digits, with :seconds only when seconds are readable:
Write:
4:20
